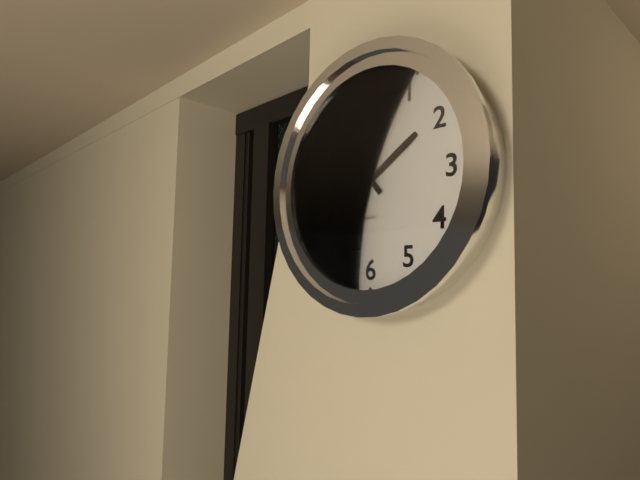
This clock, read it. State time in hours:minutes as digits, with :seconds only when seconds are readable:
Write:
1:53
